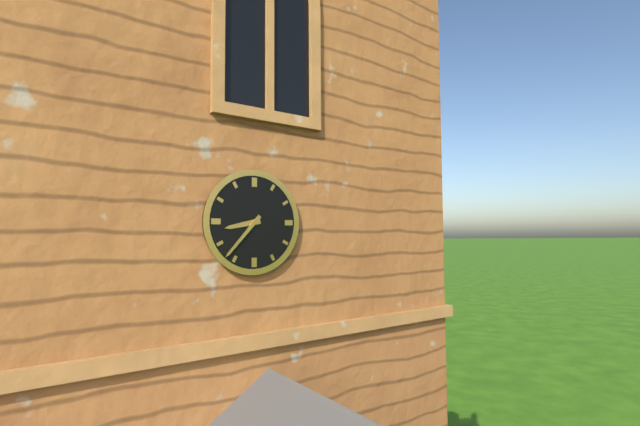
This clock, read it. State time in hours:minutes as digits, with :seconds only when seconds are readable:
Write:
8:37
